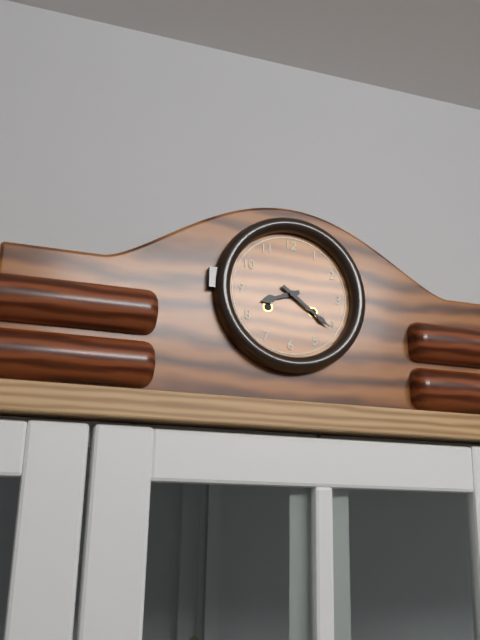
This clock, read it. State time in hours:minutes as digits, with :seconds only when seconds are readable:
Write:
8:21
